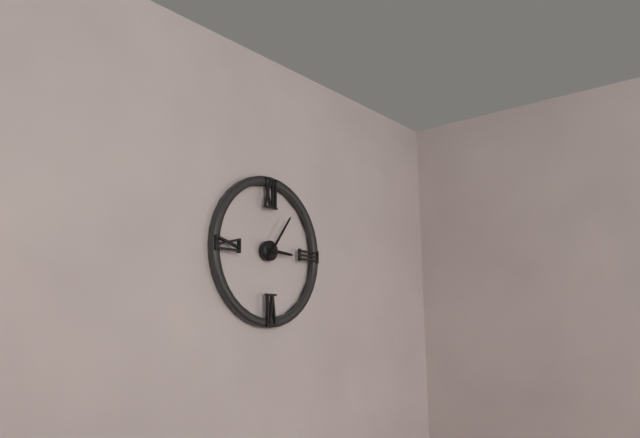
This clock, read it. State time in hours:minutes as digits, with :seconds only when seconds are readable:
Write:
3:06
